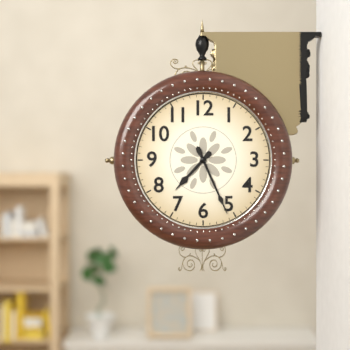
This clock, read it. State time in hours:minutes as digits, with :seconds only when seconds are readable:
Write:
7:26
